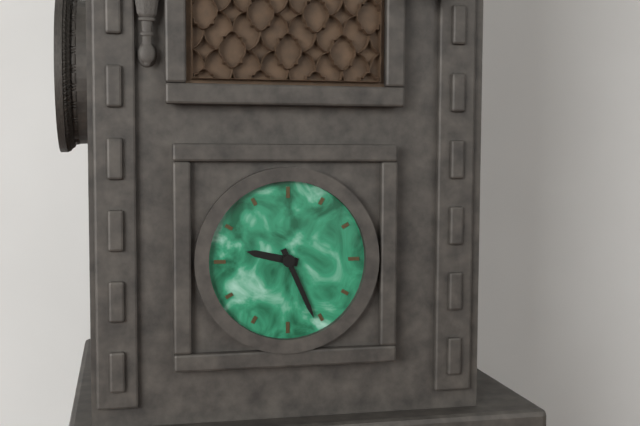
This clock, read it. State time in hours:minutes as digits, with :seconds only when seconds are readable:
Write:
9:26
